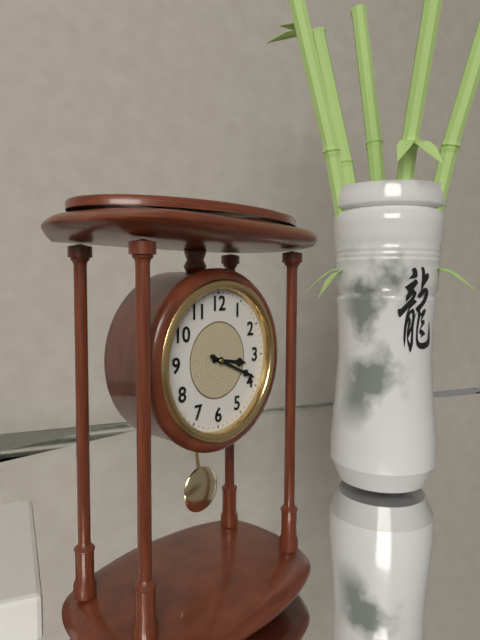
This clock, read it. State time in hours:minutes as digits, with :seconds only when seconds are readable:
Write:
3:19
